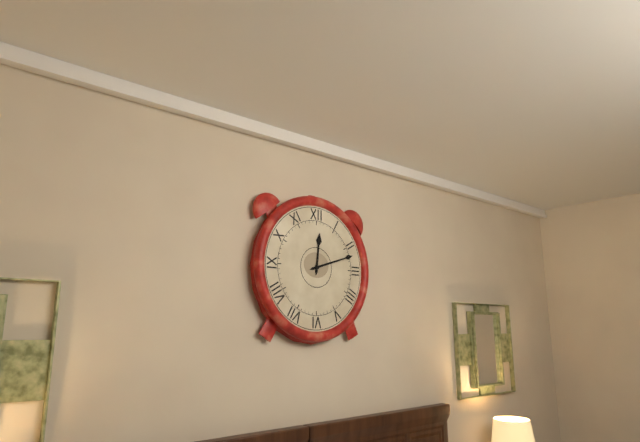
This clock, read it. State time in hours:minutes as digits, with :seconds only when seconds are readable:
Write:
12:12
